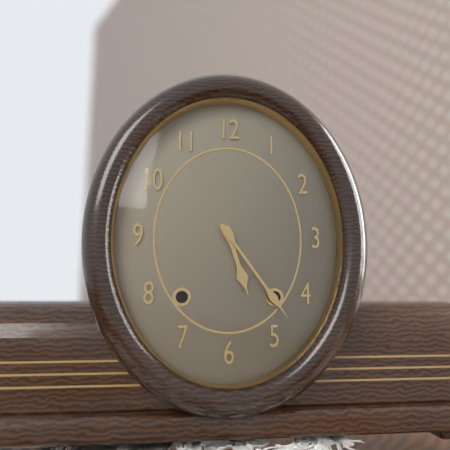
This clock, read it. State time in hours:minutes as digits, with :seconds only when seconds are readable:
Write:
5:24
